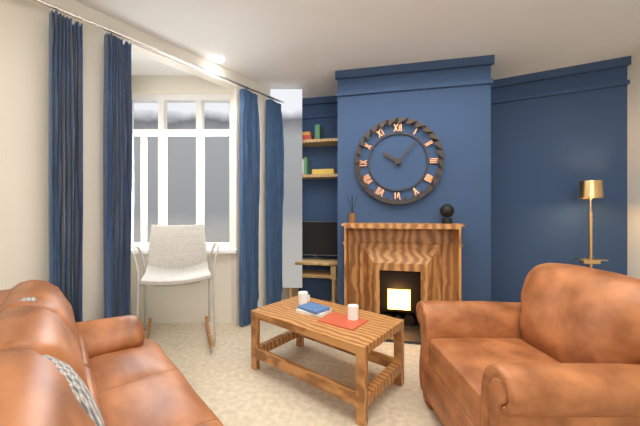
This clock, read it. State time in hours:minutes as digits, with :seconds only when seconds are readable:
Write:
10:07
